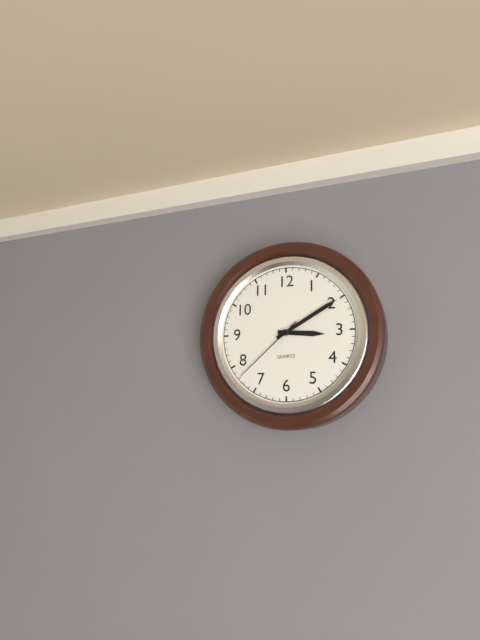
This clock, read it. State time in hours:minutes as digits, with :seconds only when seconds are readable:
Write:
3:10:38
